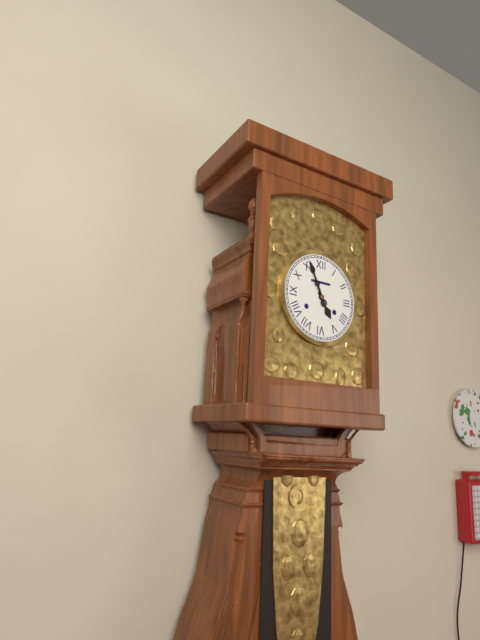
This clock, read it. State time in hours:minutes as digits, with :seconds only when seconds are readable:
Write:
4:56
